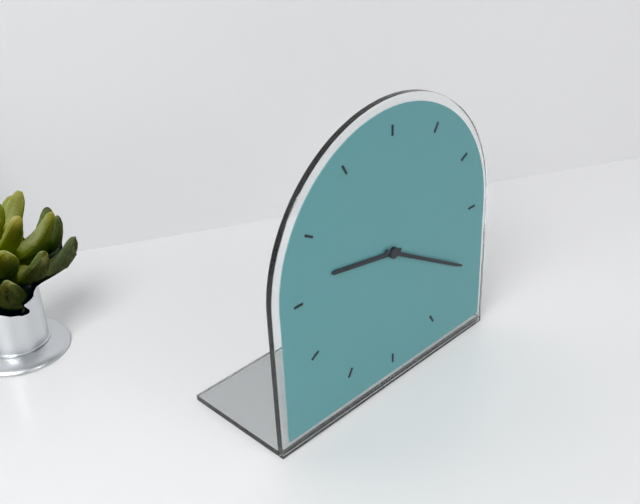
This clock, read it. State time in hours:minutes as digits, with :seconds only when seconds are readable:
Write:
9:20
